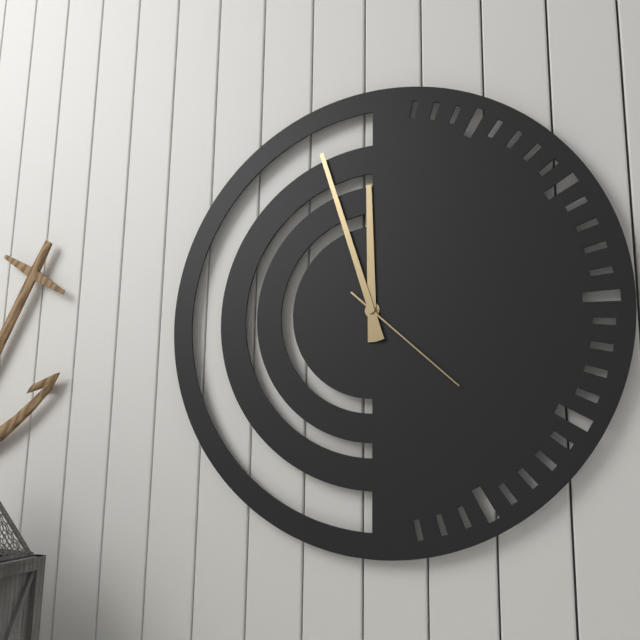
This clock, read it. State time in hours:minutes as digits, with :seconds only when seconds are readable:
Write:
11:57:22
